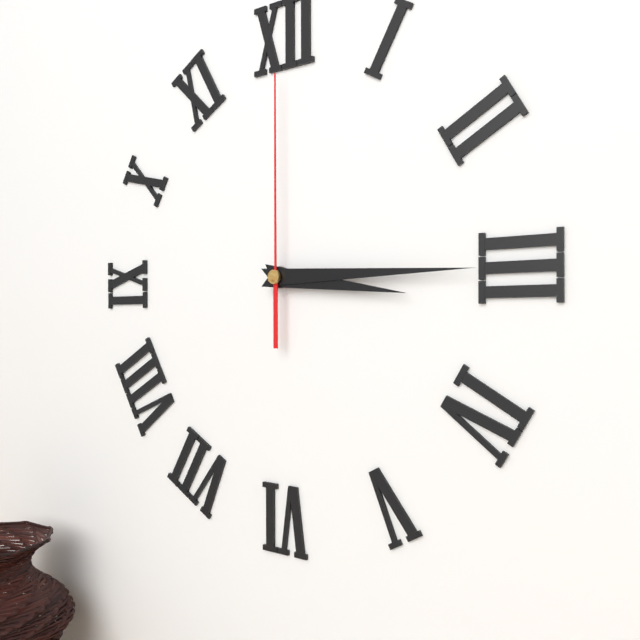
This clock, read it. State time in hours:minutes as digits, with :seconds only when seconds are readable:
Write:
3:15:00
